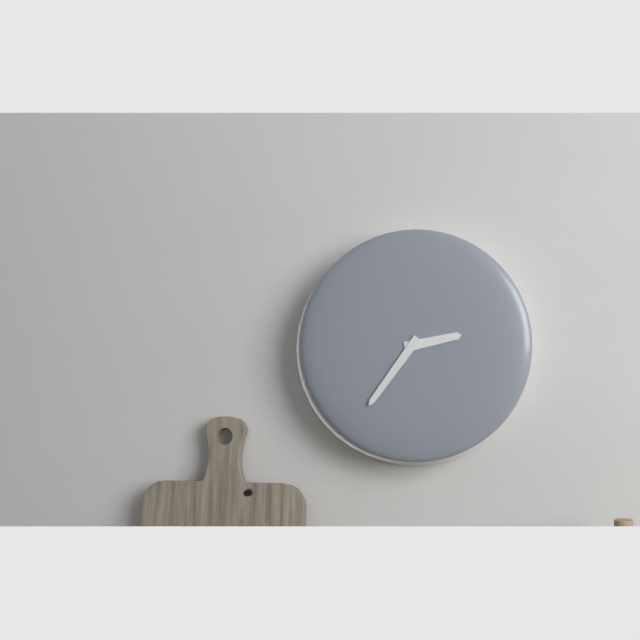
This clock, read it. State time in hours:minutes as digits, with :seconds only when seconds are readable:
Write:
2:36
